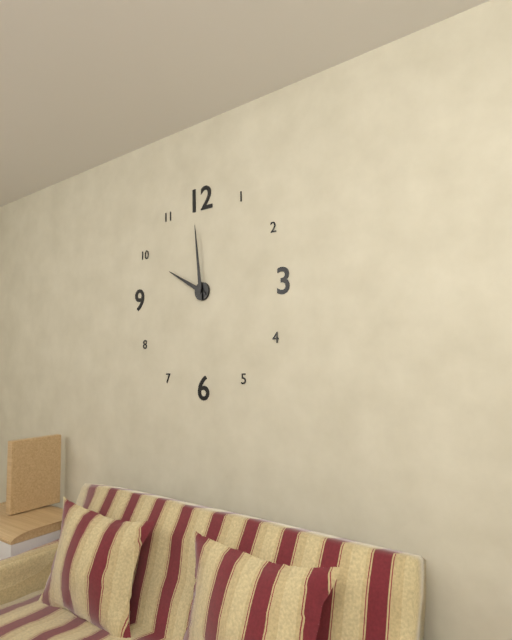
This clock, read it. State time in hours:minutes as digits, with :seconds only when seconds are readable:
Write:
9:59
